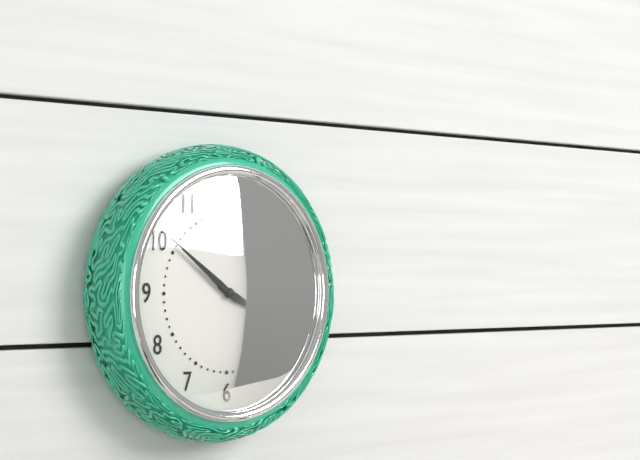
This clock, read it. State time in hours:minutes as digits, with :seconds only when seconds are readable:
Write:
3:51
